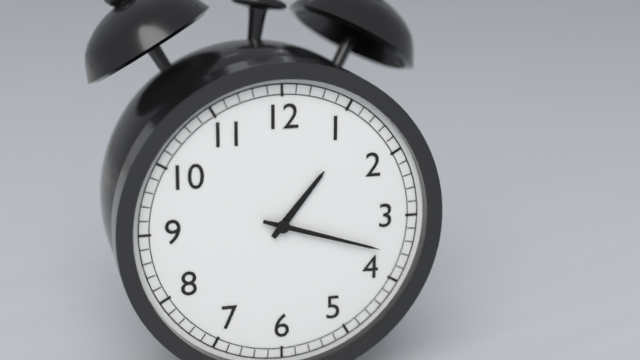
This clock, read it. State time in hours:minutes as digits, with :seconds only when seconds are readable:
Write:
1:18
